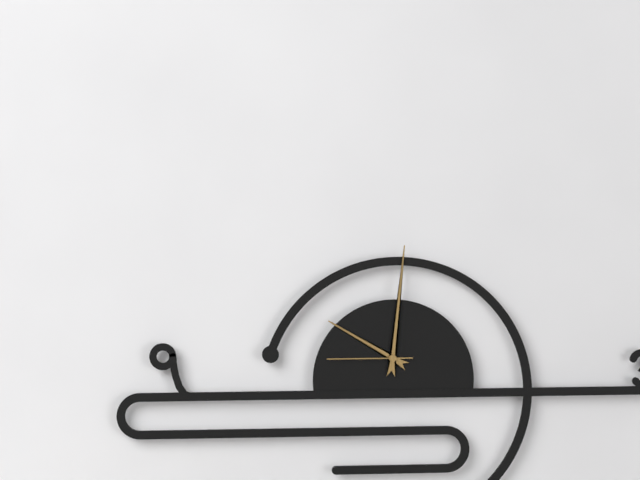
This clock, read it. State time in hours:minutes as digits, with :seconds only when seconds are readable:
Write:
10:01:45
